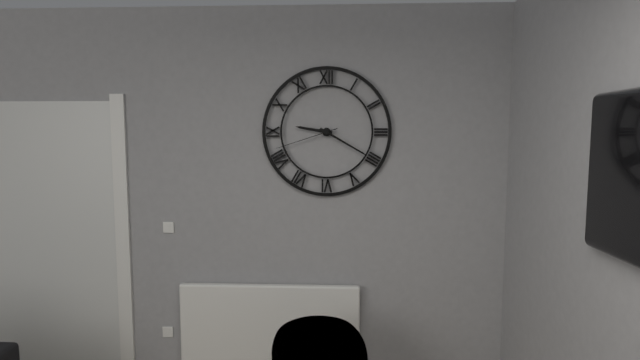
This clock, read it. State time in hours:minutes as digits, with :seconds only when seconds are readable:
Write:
9:20:42
